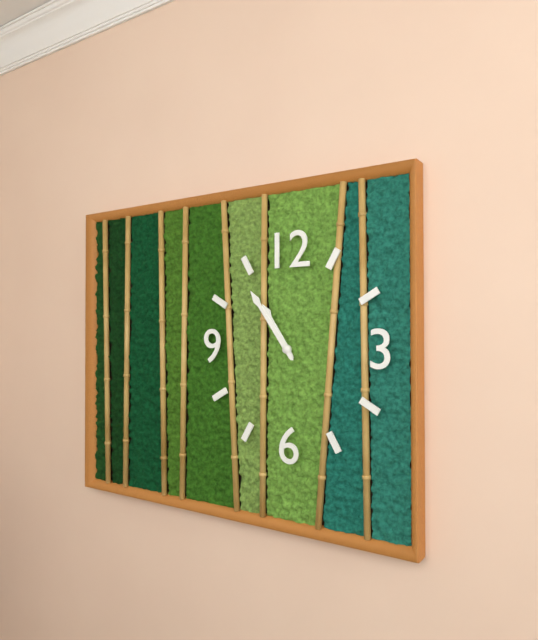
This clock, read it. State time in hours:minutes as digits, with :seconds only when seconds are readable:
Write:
10:54
